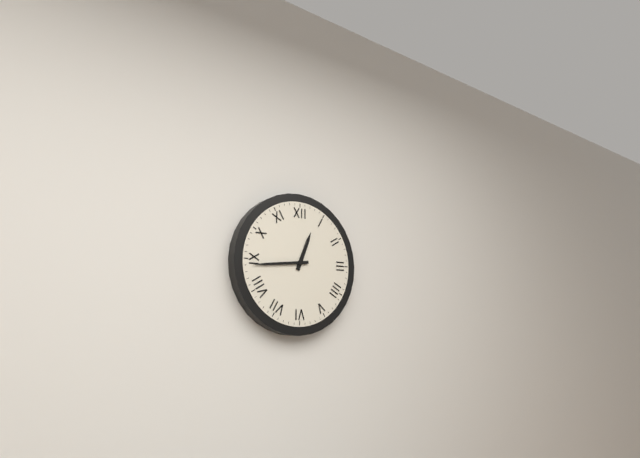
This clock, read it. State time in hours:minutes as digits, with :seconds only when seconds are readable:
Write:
12:44
